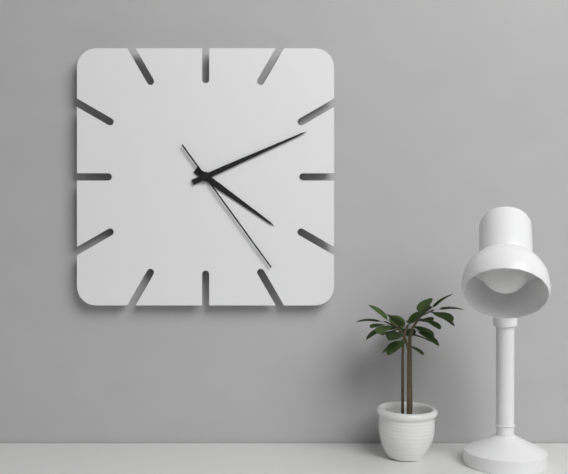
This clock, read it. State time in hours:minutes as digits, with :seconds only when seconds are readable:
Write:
4:11:24
